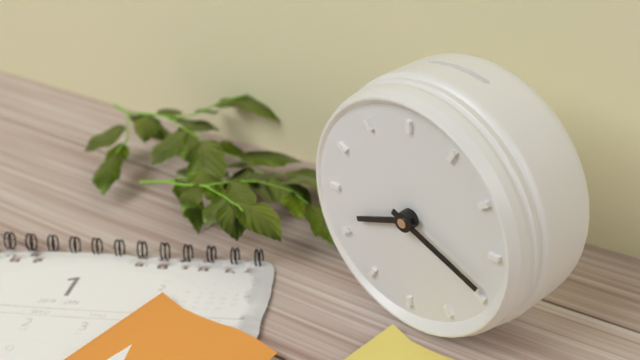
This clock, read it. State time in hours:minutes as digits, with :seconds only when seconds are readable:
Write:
8:19
